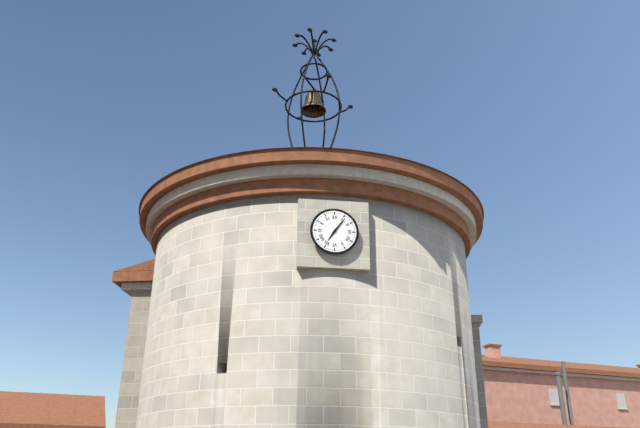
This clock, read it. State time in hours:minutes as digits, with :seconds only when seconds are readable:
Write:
7:06
